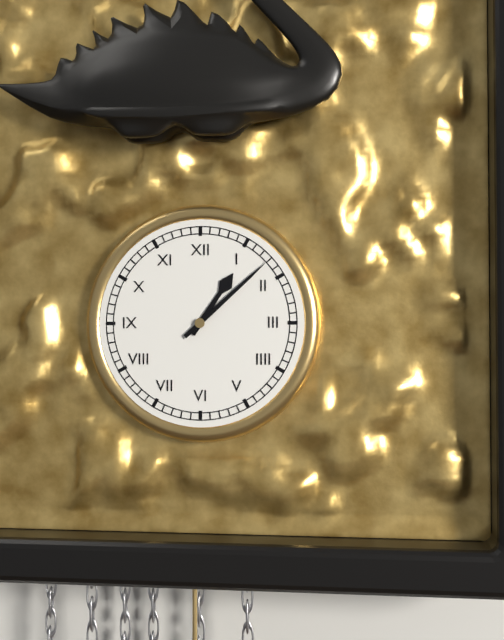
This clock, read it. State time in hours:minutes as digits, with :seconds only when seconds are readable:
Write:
1:08
